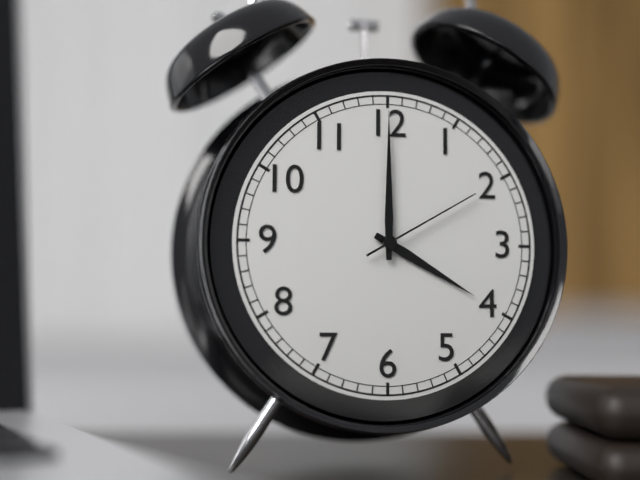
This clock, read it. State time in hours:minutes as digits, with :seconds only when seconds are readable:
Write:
4:00:10
